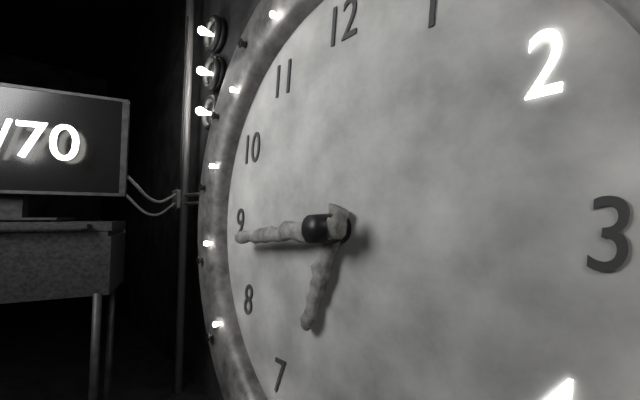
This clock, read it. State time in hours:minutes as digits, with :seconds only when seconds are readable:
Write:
6:44
